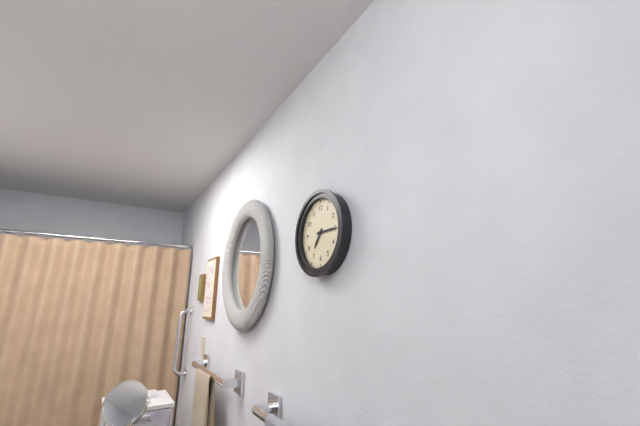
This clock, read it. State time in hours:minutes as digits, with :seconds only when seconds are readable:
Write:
7:15
